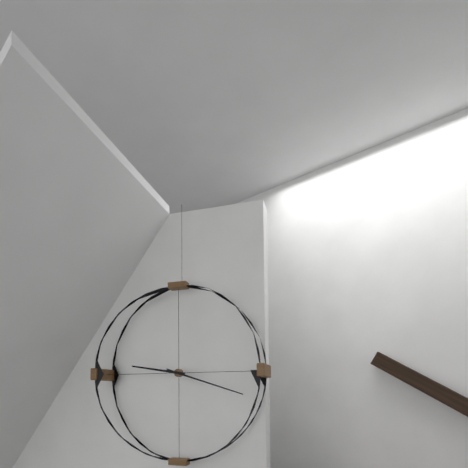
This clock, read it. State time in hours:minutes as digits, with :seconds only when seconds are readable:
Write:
9:18
